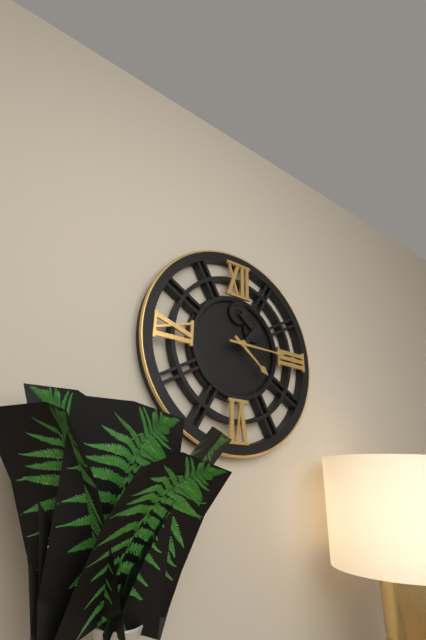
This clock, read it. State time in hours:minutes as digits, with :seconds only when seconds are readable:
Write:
4:15
